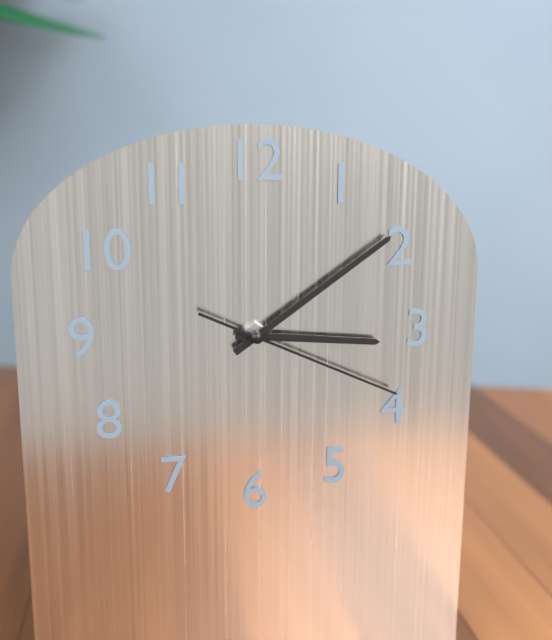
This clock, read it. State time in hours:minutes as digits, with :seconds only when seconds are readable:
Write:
3:09:19
